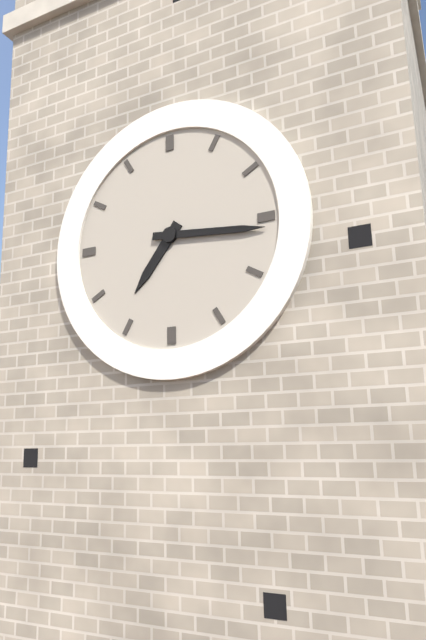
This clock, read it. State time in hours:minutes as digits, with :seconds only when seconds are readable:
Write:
7:16
